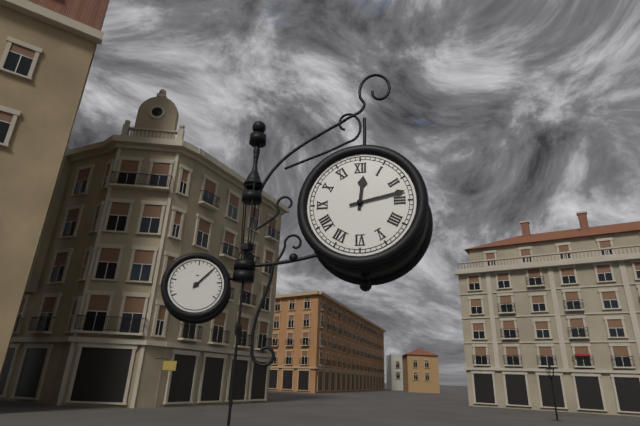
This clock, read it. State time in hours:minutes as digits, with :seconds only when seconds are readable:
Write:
12:13
